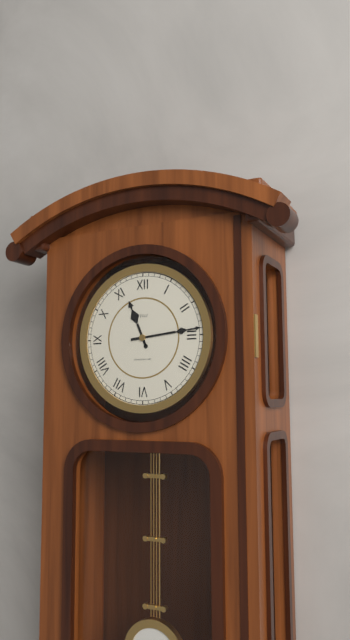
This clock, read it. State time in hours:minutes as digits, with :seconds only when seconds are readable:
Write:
11:14
